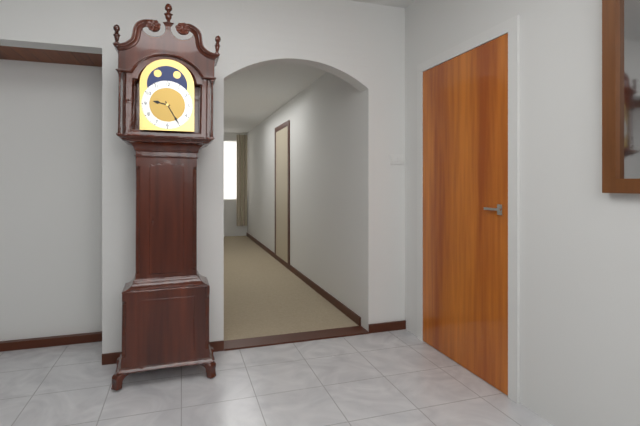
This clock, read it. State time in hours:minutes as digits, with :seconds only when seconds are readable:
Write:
9:25
